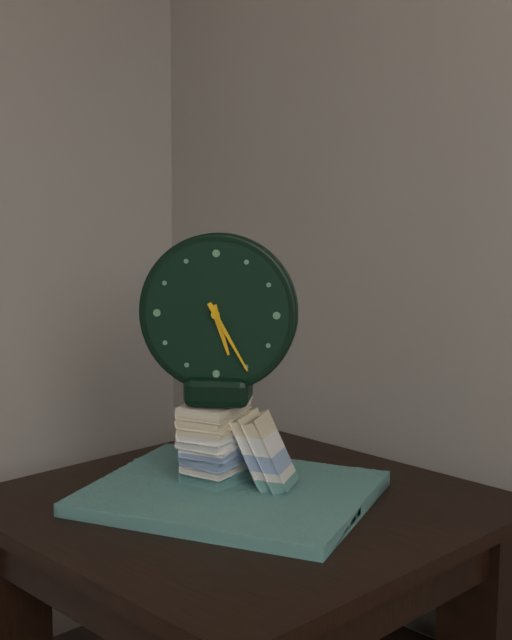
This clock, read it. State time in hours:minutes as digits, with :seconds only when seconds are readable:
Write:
5:25
